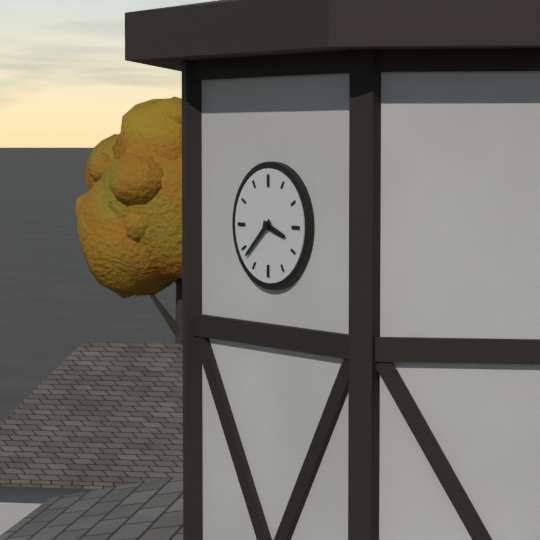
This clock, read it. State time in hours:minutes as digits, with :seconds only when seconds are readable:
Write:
3:38
